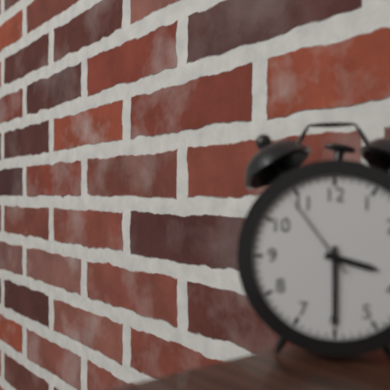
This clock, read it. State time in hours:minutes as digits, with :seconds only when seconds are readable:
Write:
3:30:54
